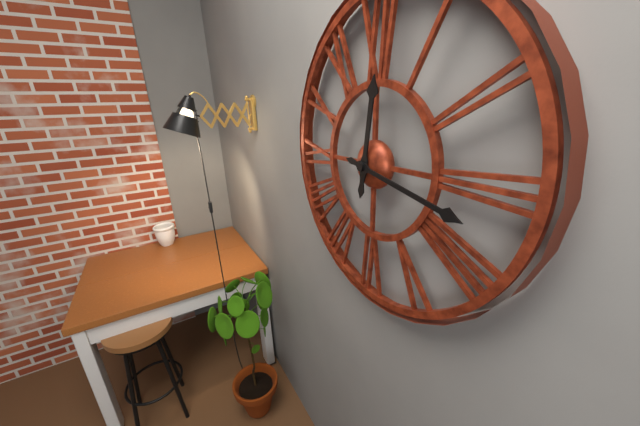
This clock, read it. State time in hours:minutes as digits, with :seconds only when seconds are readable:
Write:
12:17
